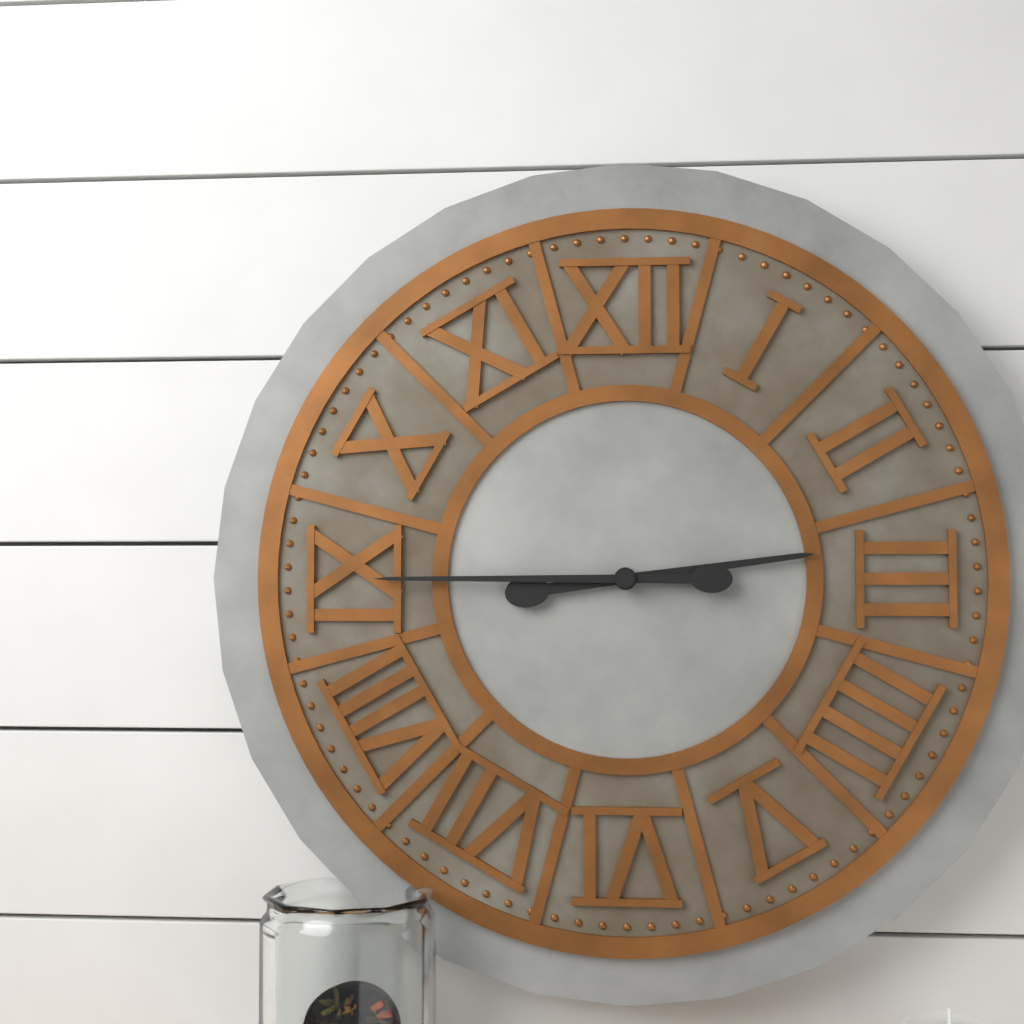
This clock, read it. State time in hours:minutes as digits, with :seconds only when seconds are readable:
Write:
2:45
